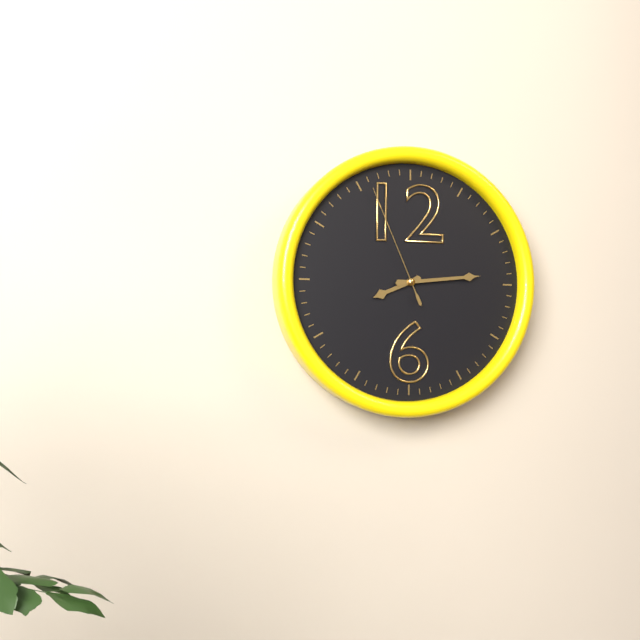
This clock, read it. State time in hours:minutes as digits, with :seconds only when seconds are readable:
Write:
8:14:56
